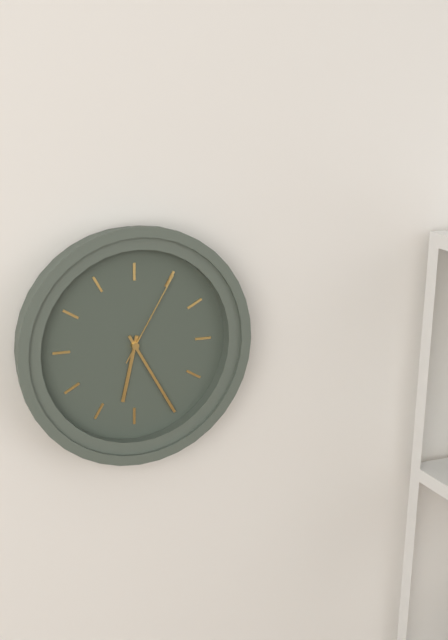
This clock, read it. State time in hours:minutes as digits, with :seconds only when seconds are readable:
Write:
6:25:05
